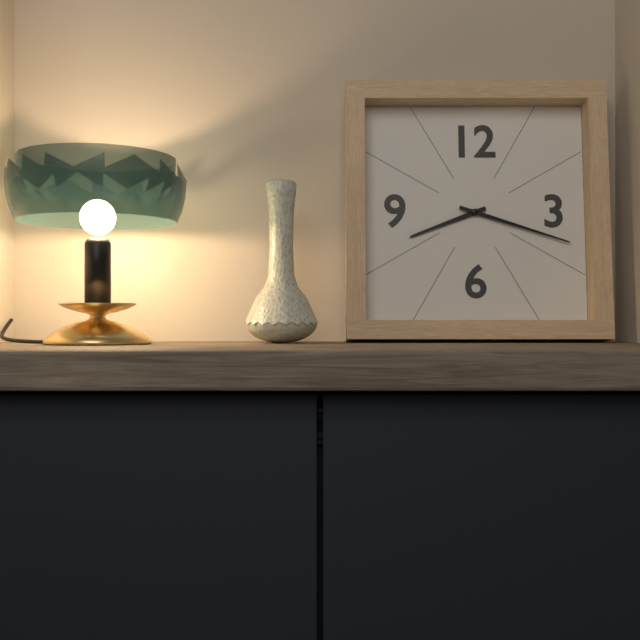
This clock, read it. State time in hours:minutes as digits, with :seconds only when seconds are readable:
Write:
8:18
